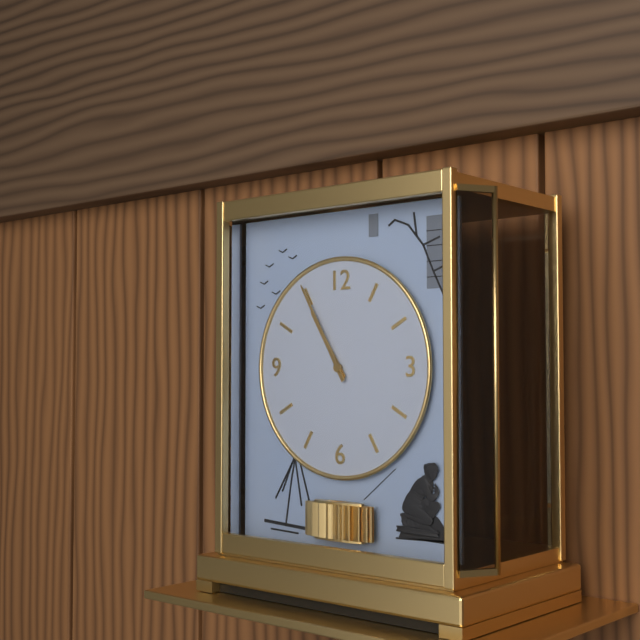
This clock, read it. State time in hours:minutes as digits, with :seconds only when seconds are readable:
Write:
10:55
